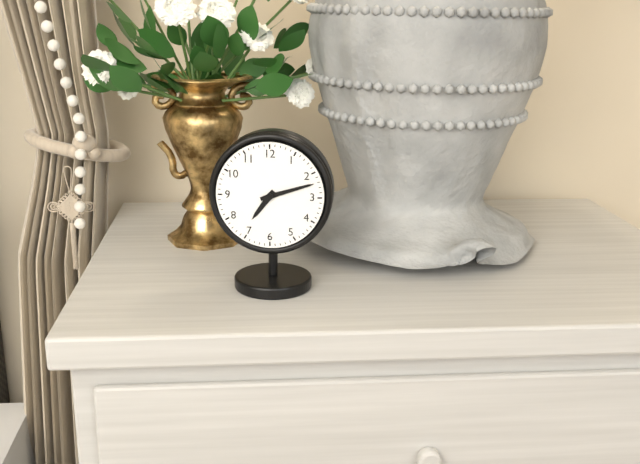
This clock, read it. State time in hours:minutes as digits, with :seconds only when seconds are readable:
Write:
7:12
